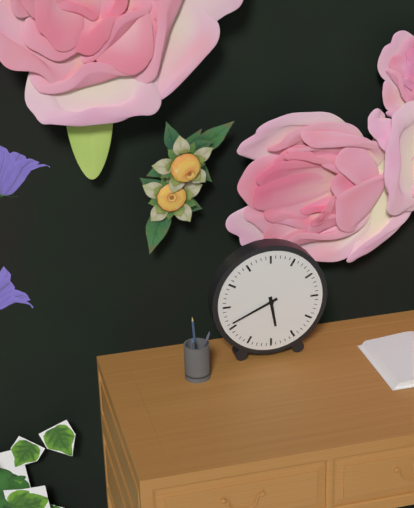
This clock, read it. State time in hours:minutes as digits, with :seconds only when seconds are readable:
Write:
5:41
